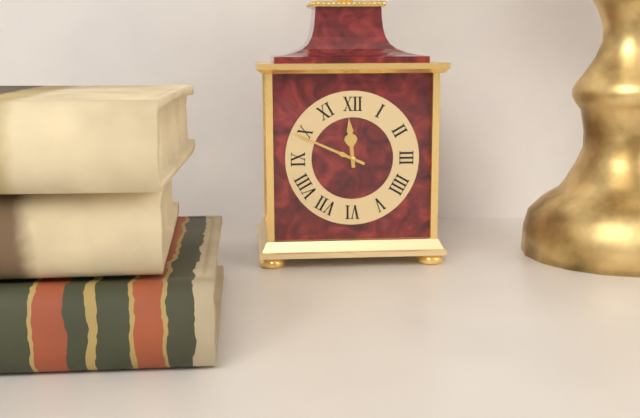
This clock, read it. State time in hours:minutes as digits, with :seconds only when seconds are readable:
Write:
11:49
